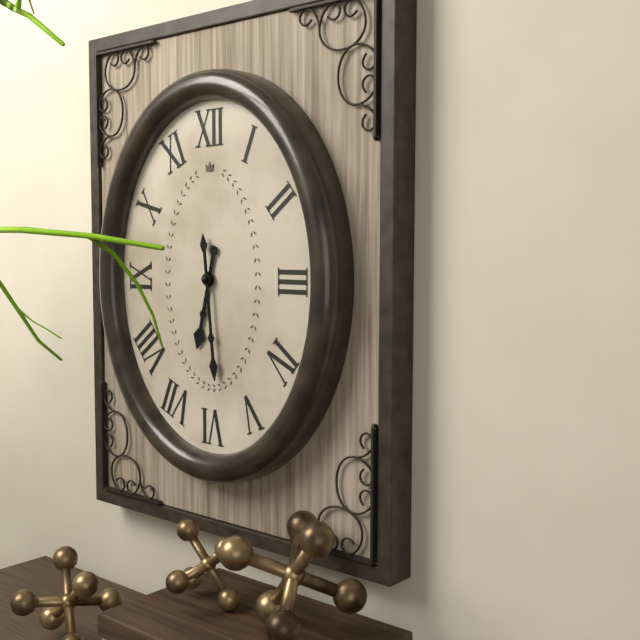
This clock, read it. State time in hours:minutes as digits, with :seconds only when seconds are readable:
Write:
6:29
